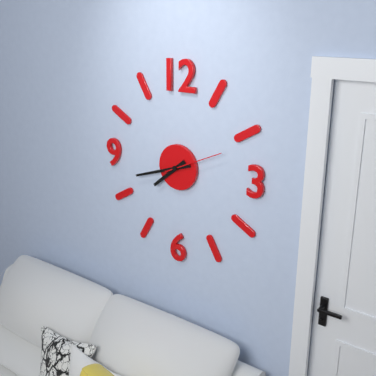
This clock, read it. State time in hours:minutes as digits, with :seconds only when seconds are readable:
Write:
7:42:11
